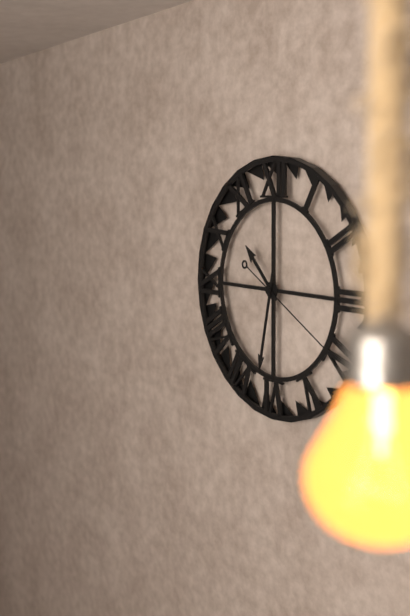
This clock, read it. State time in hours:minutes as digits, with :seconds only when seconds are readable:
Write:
10:32:20
